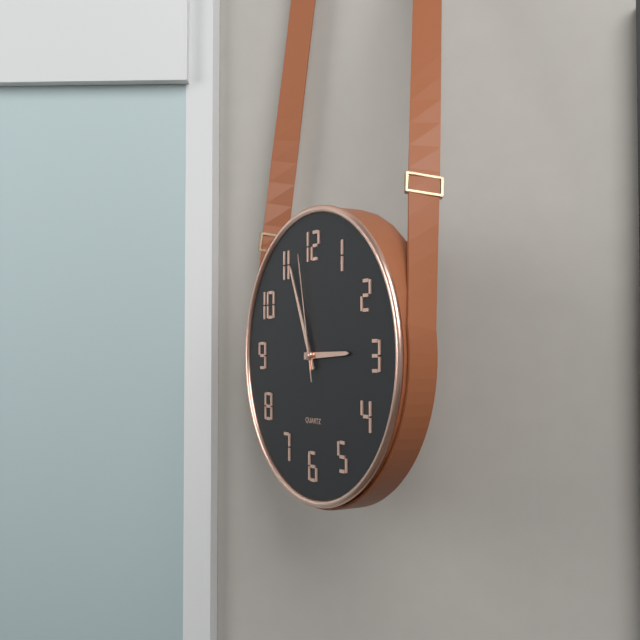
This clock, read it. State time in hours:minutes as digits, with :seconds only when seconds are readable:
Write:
2:56:58
